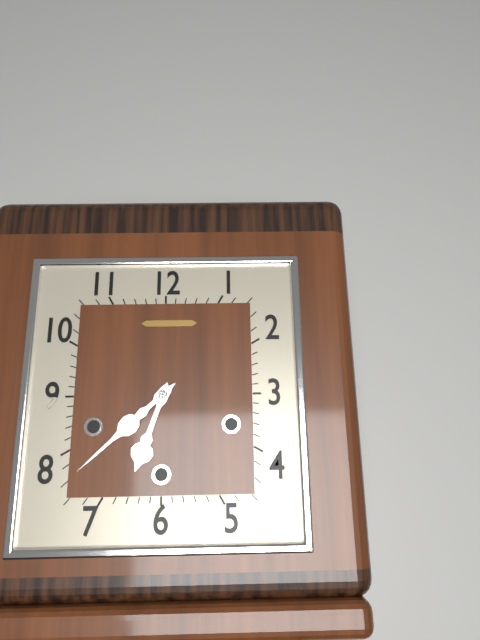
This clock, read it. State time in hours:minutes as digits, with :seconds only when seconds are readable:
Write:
6:38
